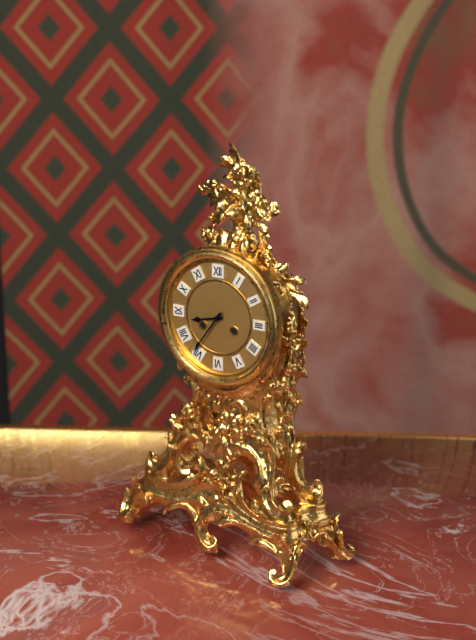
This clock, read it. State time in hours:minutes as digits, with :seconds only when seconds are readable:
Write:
8:36
